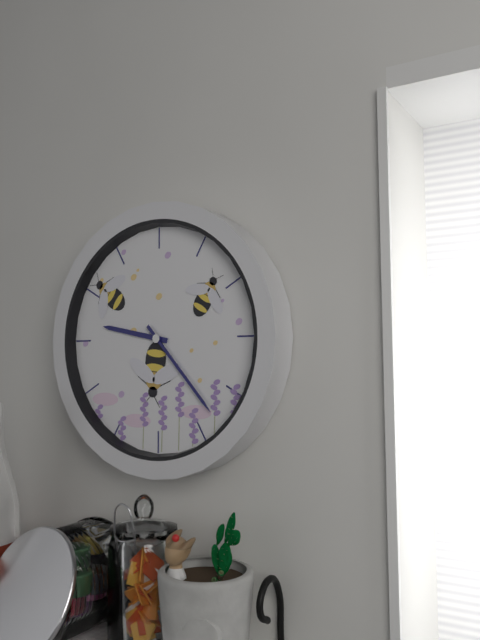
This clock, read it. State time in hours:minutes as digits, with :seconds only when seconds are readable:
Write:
9:23
